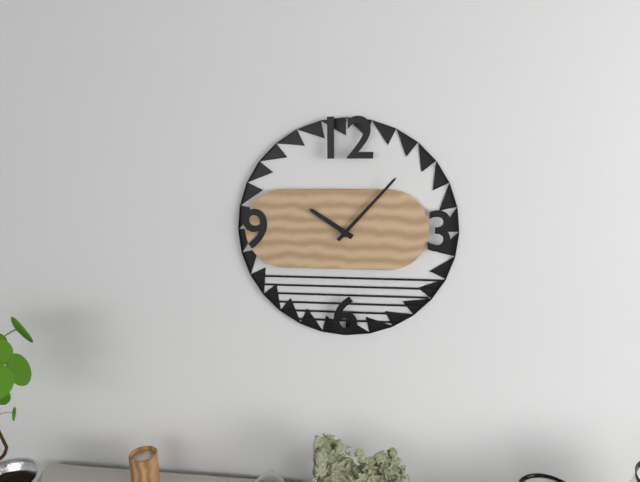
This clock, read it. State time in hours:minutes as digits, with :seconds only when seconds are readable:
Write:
10:07
